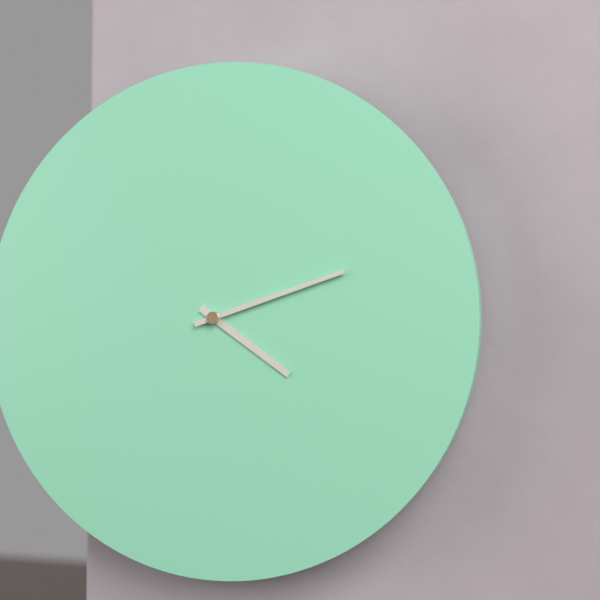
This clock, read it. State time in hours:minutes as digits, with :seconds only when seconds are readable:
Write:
4:12
